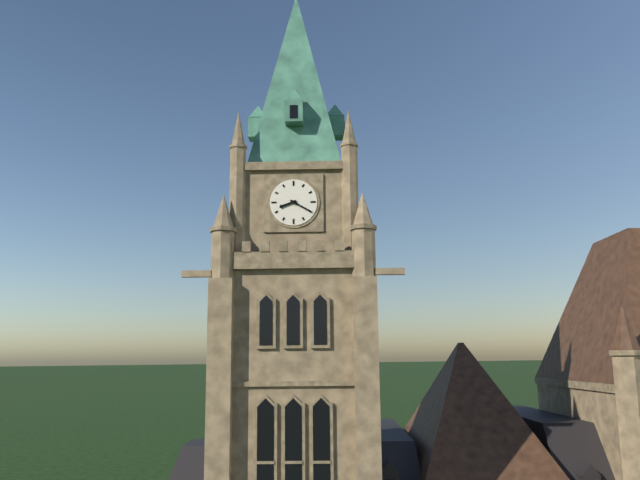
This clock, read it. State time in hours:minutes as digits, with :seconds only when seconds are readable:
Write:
8:20
